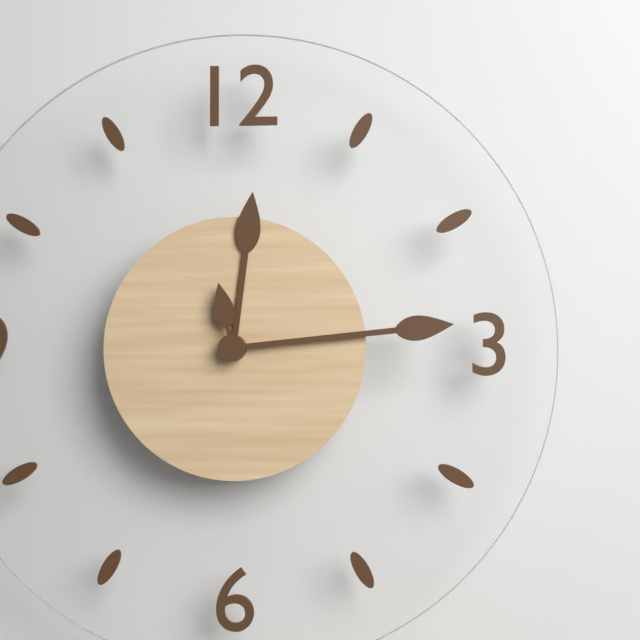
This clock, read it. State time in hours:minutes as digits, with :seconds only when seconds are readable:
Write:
12:14:58
